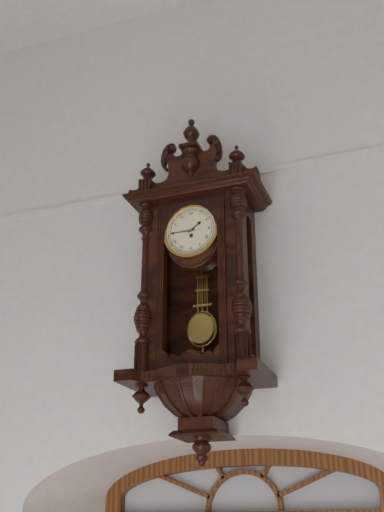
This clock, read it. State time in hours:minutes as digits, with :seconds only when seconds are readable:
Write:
1:45
